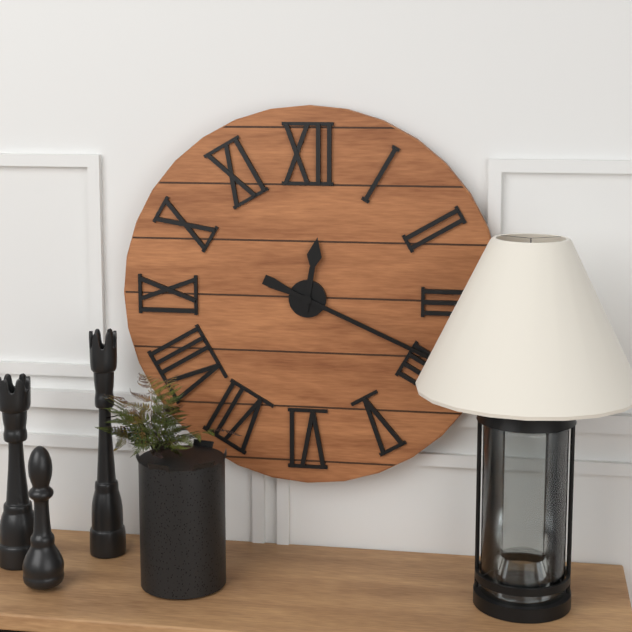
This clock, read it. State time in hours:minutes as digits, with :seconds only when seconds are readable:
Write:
12:19
